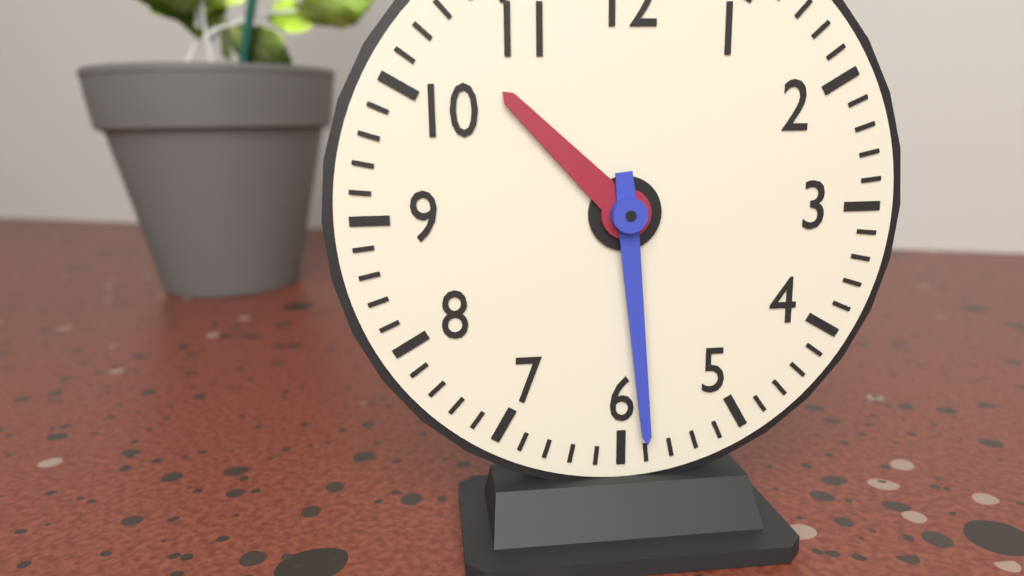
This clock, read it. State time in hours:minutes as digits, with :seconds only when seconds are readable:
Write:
10:29
